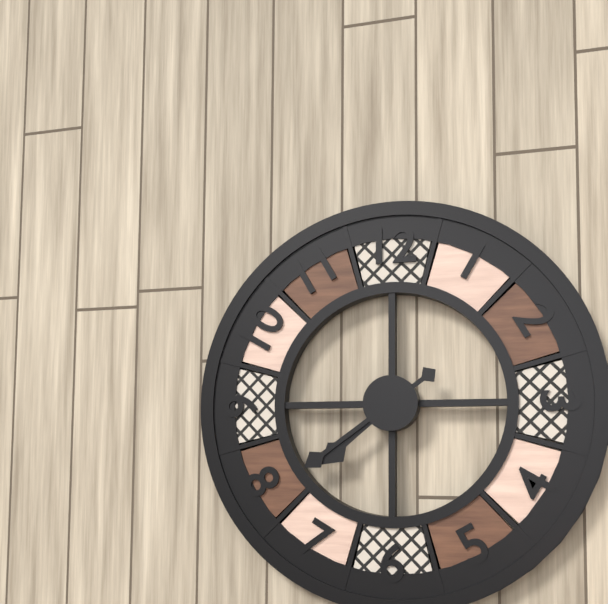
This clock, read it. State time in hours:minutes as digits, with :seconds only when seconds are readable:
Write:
7:39
